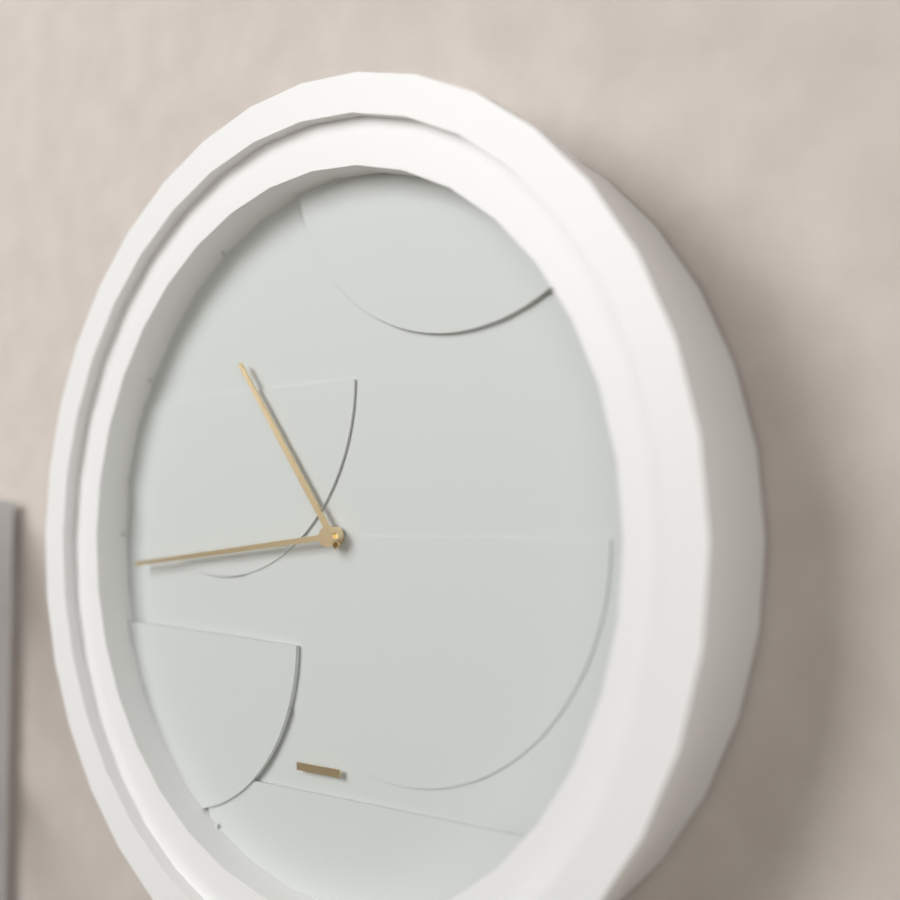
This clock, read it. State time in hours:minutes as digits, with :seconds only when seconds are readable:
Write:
10:44
